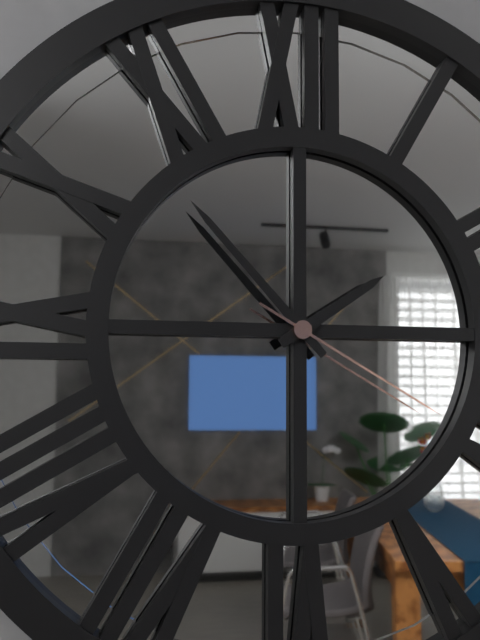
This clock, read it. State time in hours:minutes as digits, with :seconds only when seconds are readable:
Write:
1:53:20
